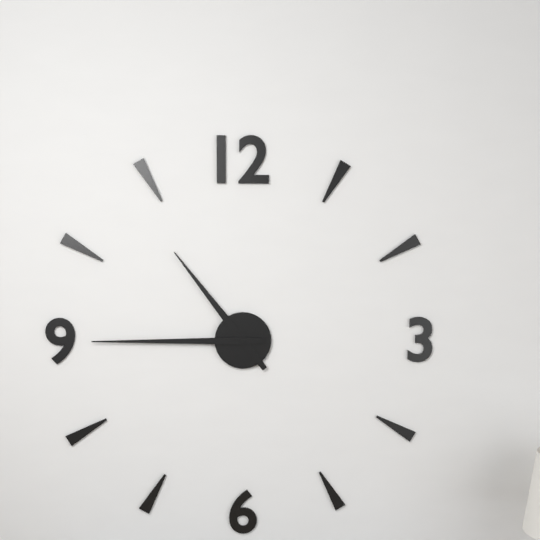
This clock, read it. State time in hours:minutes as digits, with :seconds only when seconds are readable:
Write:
10:45
